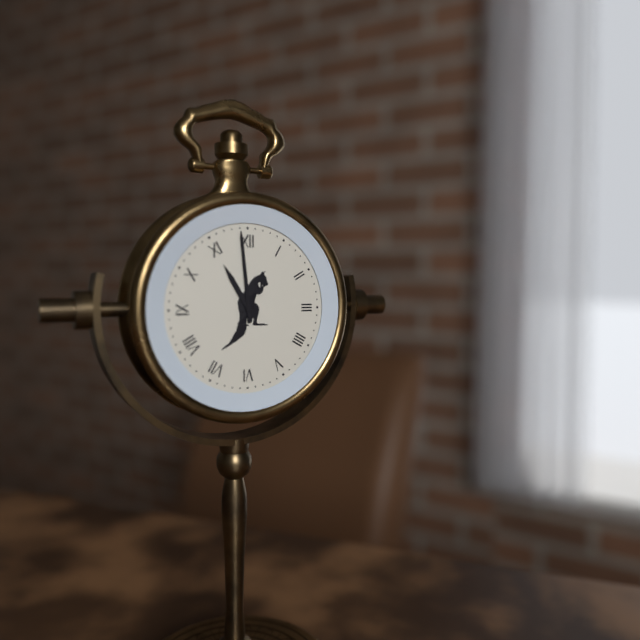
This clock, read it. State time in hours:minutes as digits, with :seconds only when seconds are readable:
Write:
10:59
